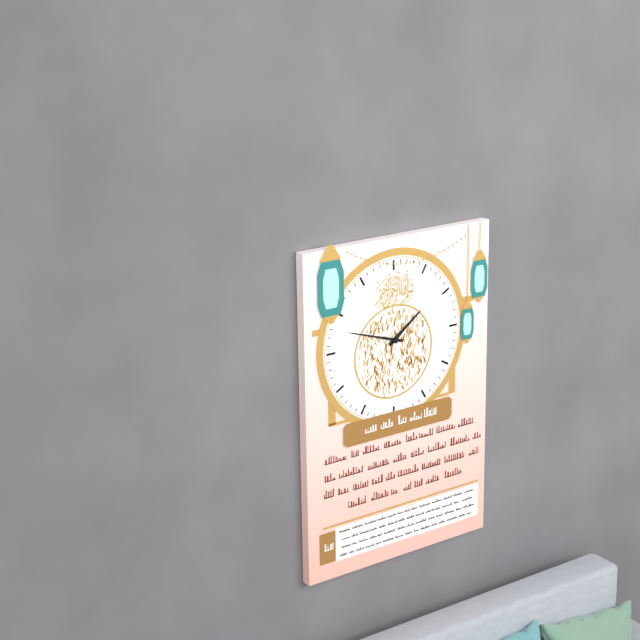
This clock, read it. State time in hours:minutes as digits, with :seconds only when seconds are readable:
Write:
1:48
